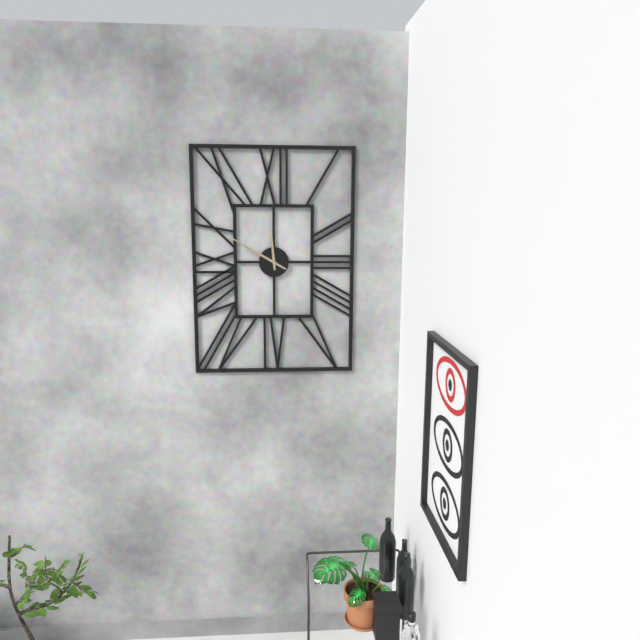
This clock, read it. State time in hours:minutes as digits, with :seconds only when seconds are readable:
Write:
11:50
